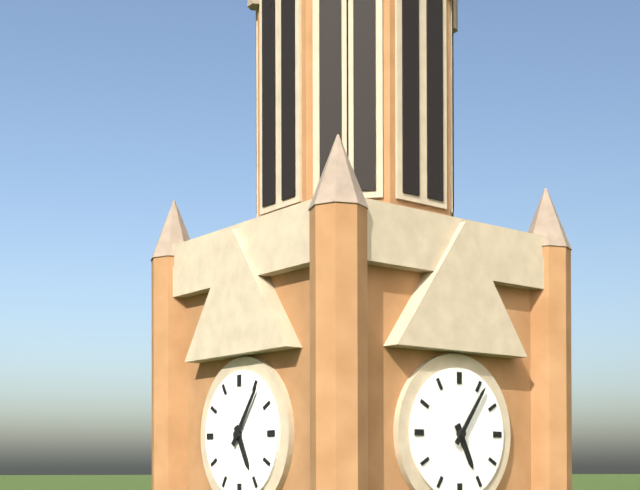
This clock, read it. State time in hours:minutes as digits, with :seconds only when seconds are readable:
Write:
5:06
